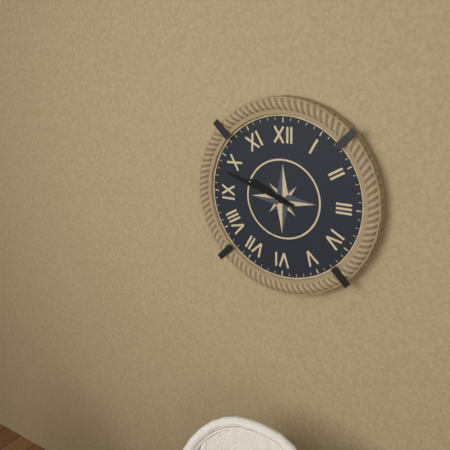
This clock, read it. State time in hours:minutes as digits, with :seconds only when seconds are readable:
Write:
9:48
